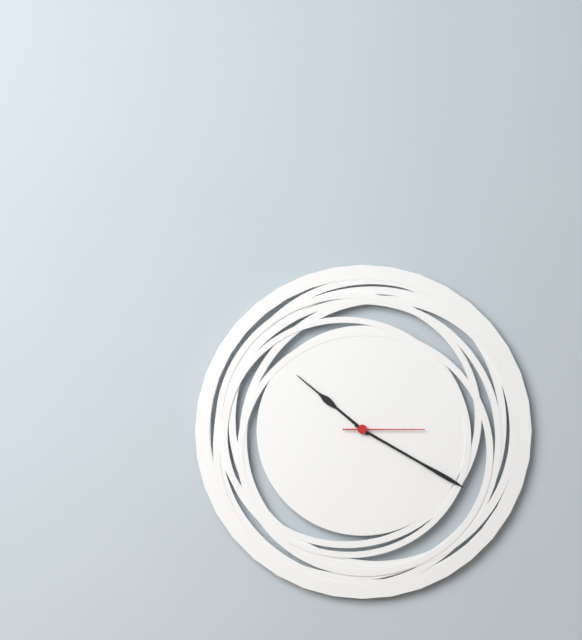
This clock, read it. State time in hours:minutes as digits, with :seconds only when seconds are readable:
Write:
10:20:15
